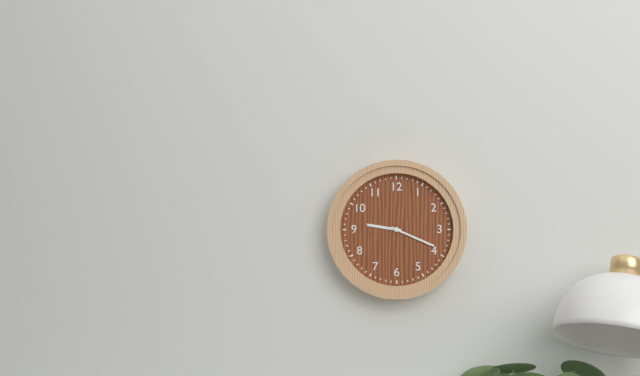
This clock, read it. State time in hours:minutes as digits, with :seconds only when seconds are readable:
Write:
9:19
